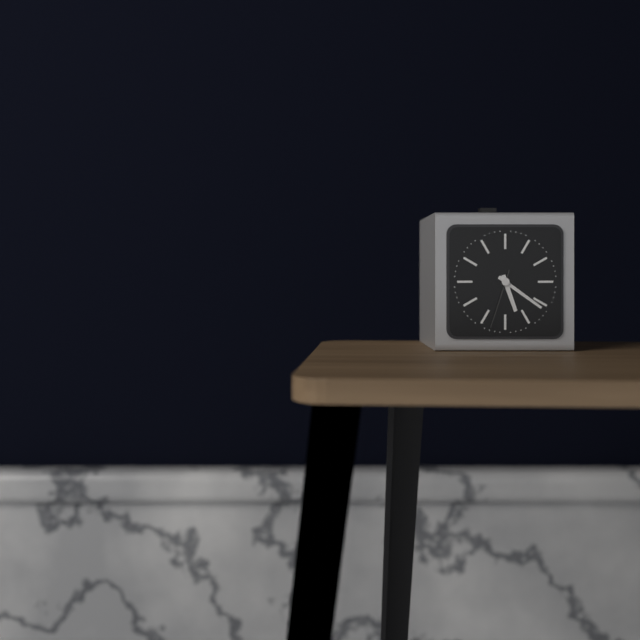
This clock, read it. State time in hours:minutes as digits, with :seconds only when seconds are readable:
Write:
5:21:33
